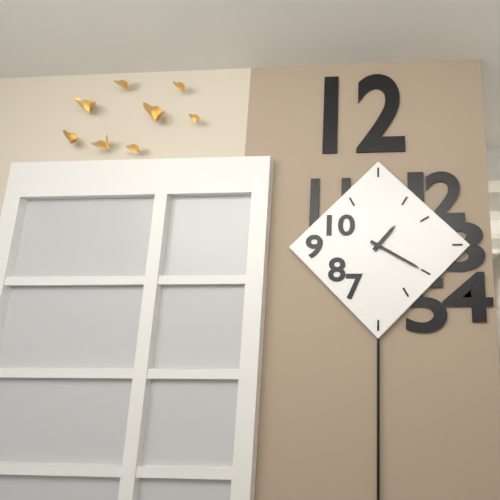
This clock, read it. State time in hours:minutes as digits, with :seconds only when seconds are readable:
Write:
1:20
